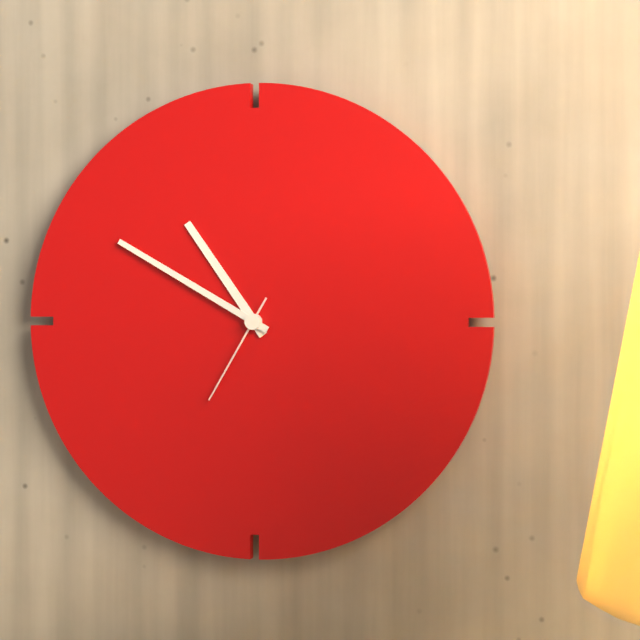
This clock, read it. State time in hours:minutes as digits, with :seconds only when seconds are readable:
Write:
10:50:35
